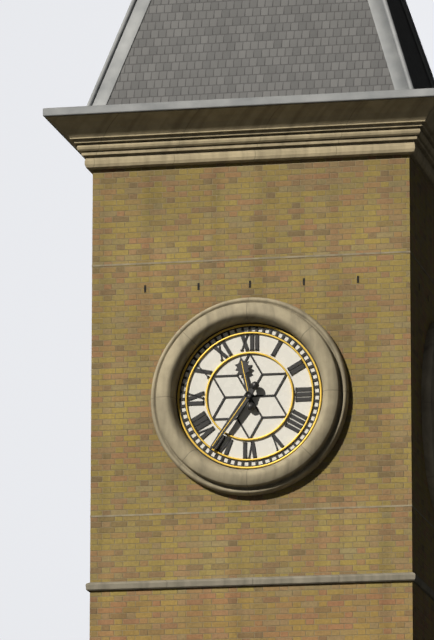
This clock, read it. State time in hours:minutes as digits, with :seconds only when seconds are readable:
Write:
11:36
